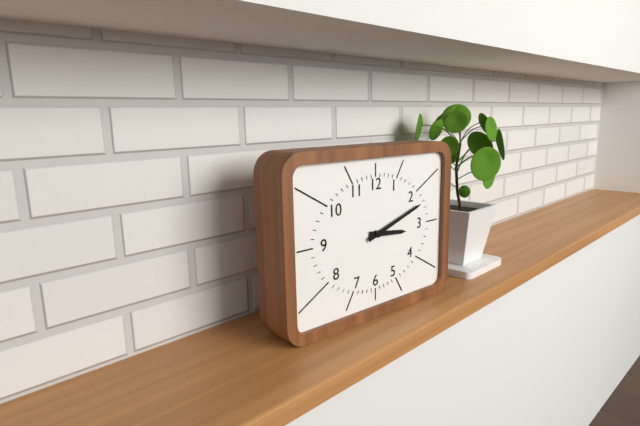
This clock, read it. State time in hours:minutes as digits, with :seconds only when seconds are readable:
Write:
3:12
